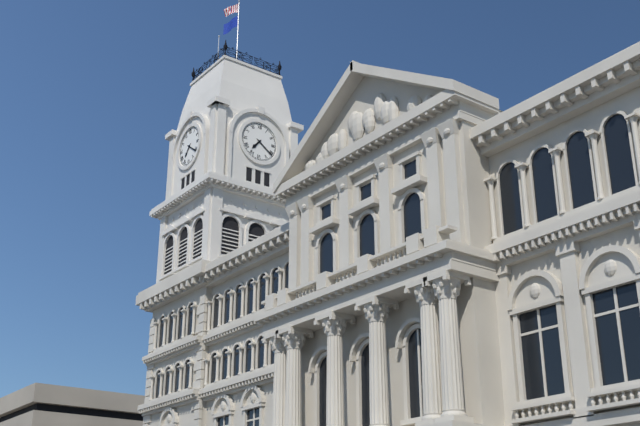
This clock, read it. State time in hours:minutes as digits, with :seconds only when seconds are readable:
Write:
7:21
